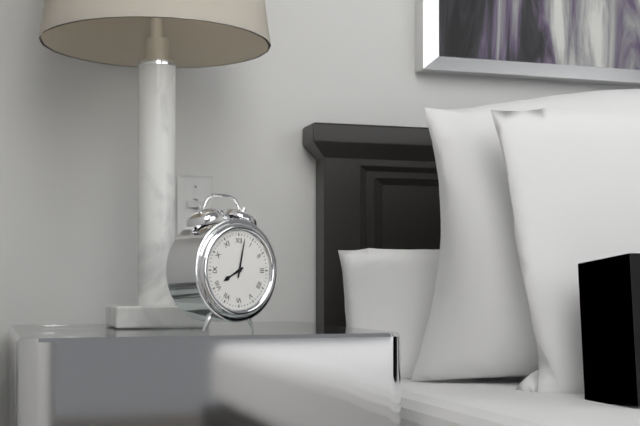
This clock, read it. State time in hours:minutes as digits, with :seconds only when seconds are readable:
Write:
8:02
